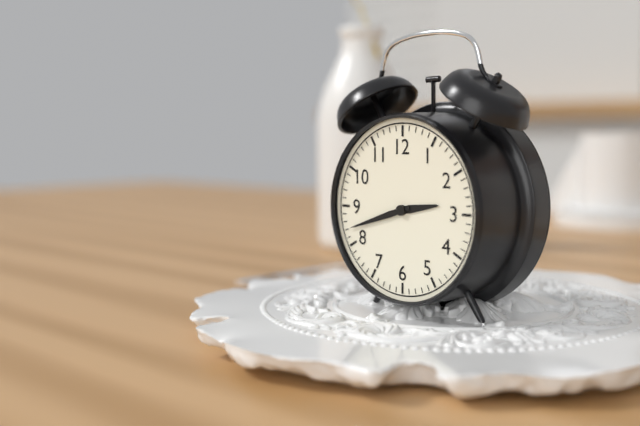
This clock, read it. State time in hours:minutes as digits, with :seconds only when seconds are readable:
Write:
2:42
